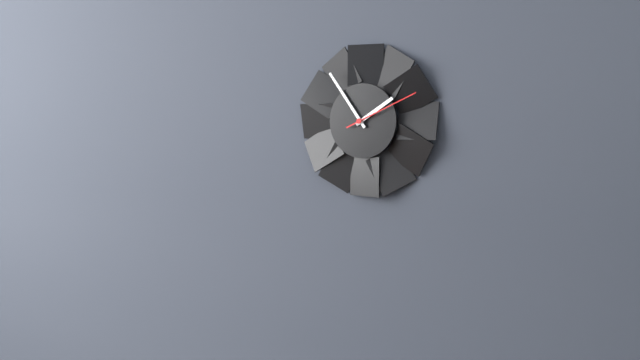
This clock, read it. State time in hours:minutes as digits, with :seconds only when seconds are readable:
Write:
1:54:11
